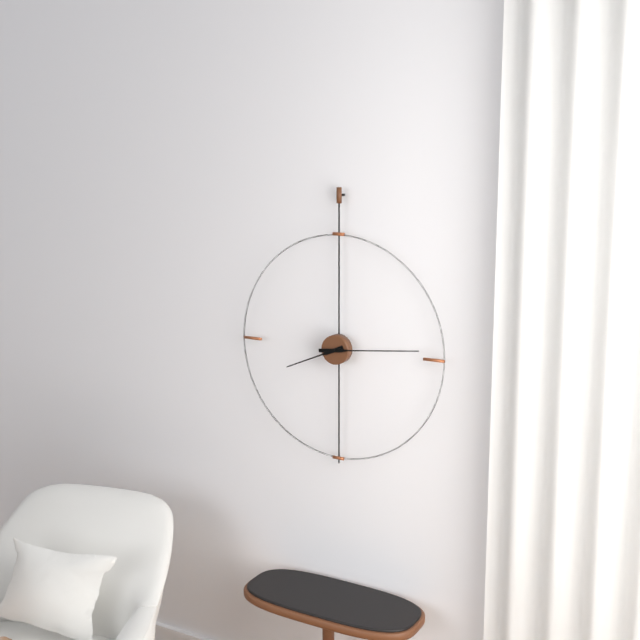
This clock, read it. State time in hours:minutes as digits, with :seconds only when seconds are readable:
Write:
8:14
